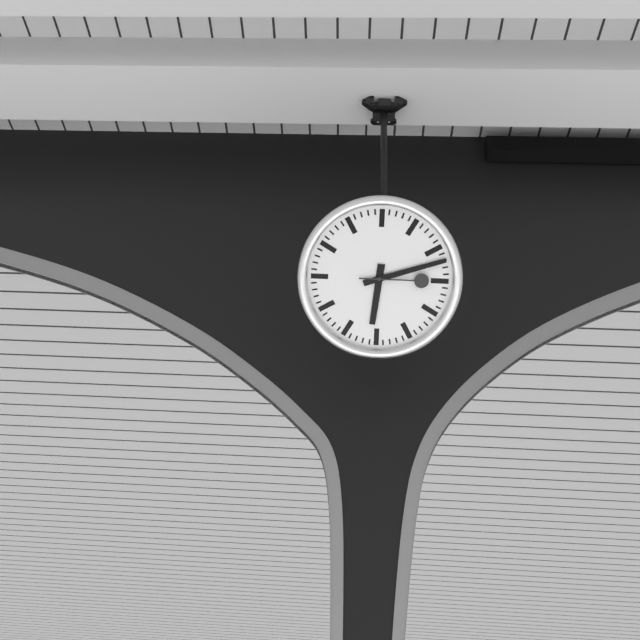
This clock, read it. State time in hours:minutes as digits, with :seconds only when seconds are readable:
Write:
6:12:15
